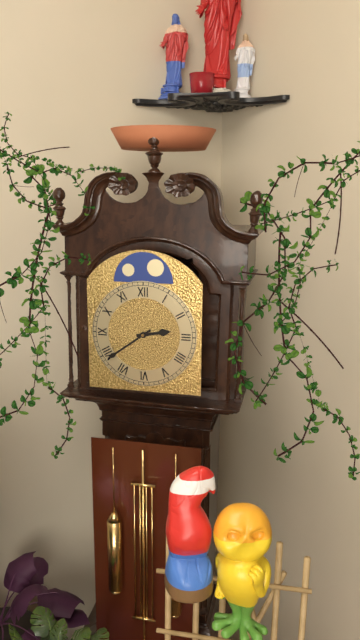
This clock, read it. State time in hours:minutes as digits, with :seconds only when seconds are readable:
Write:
2:39
